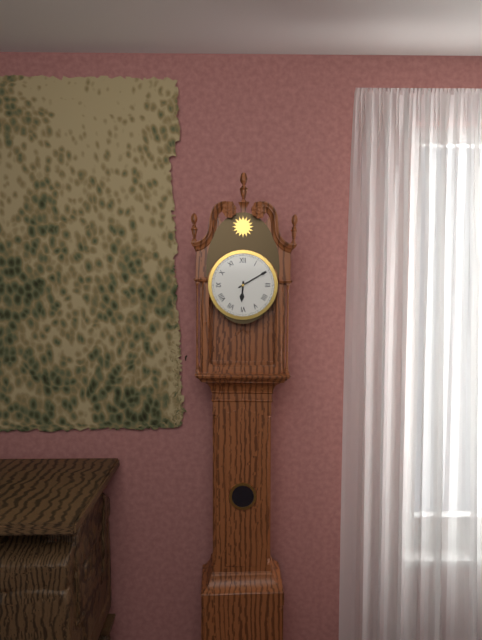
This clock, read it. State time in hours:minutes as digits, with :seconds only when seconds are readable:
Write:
6:10
